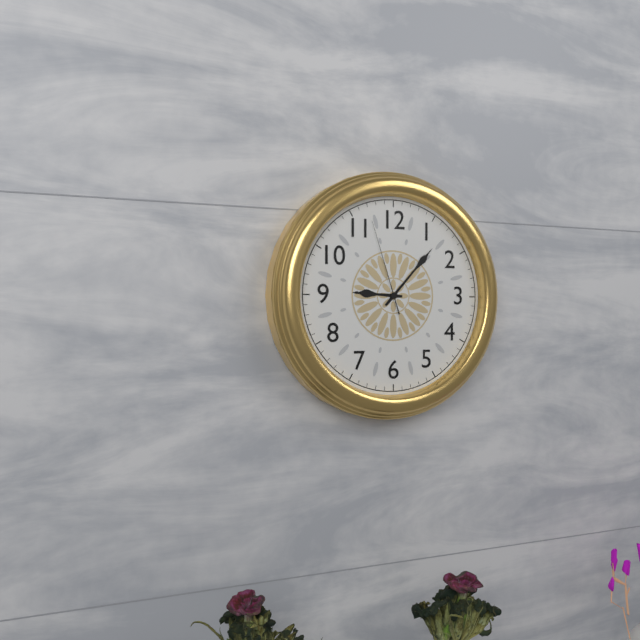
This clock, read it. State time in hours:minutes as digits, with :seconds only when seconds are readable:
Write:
9:07:57
